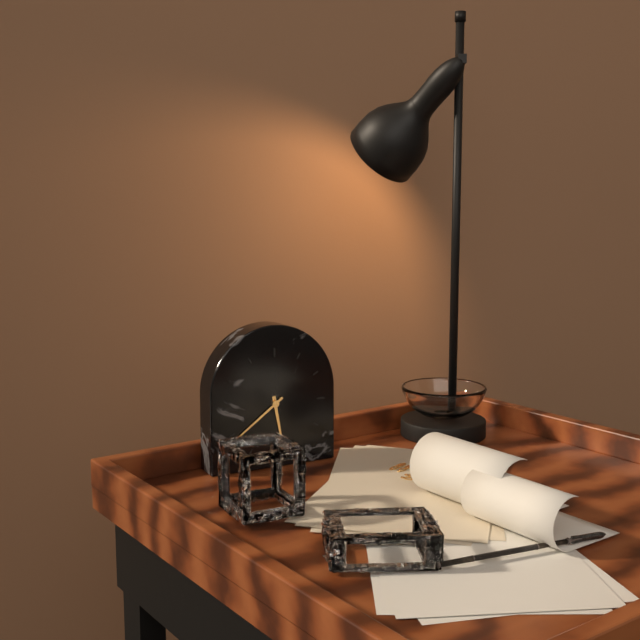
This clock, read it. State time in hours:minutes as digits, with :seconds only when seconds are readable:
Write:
5:39
